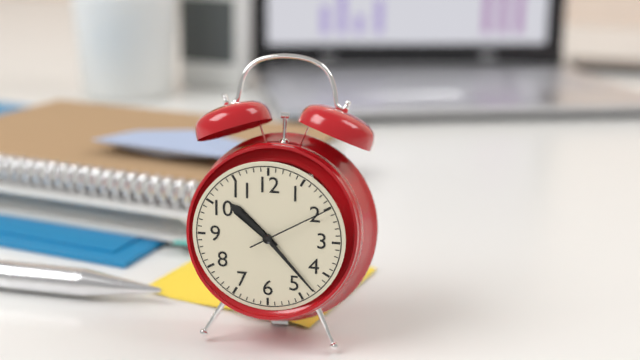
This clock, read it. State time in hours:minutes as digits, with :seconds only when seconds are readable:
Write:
10:23:10
